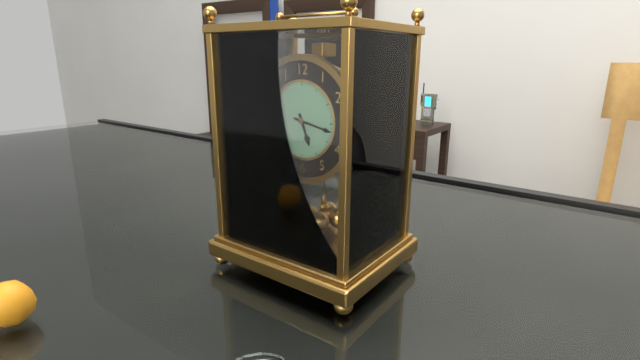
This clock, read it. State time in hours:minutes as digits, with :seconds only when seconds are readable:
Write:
5:17
